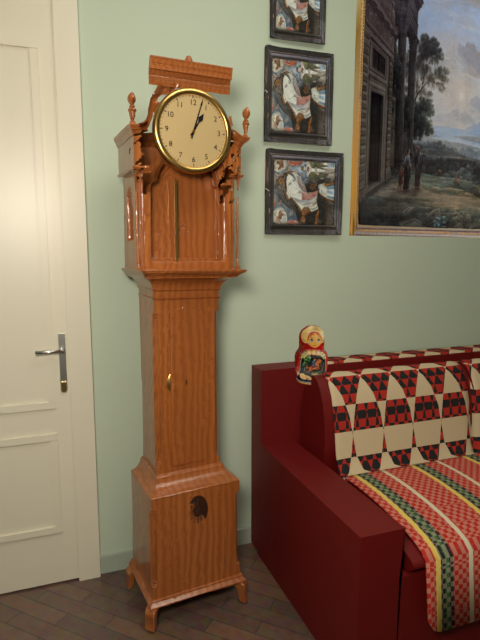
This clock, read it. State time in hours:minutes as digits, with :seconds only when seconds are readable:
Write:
1:03
